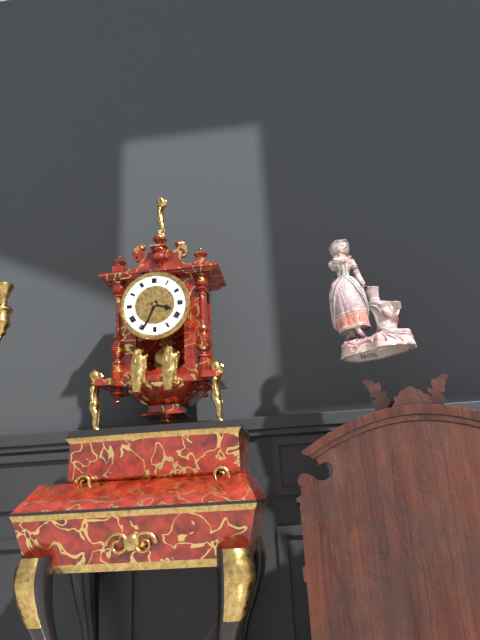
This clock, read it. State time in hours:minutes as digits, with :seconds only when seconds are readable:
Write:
3:34
